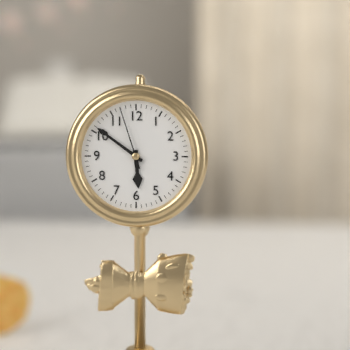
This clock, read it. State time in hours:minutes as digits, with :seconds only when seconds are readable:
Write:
5:51:57
